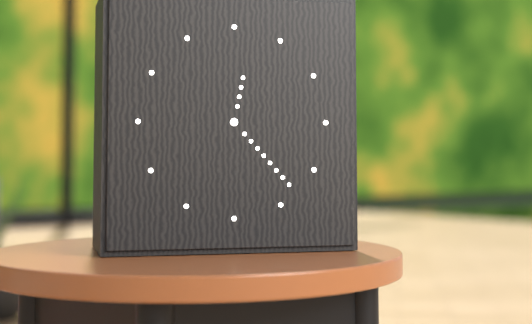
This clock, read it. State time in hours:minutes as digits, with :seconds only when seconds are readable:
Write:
12:23
